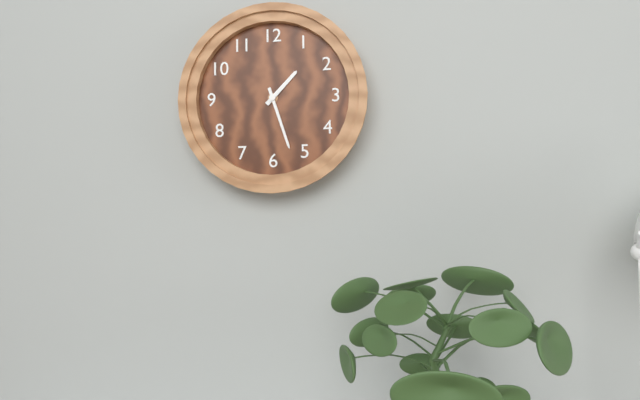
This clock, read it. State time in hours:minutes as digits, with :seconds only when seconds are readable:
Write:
1:27
